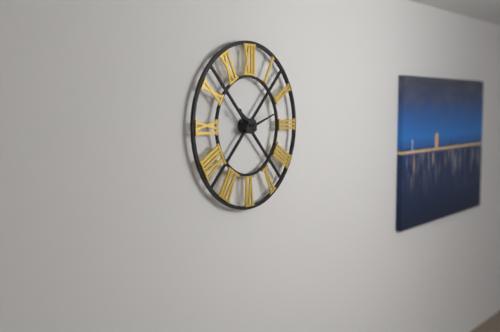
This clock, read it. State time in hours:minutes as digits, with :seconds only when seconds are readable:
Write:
10:12
